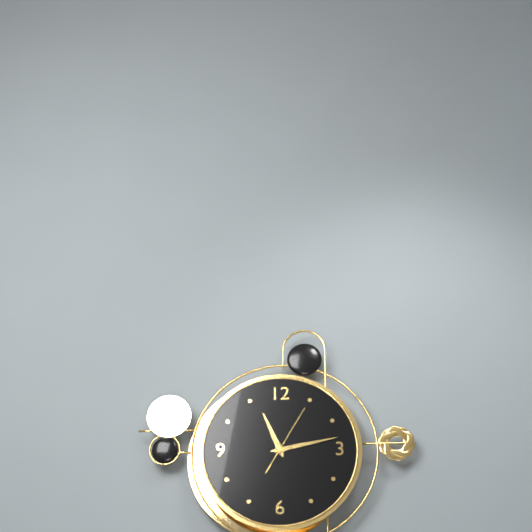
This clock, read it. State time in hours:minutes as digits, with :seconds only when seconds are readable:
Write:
11:13:05
